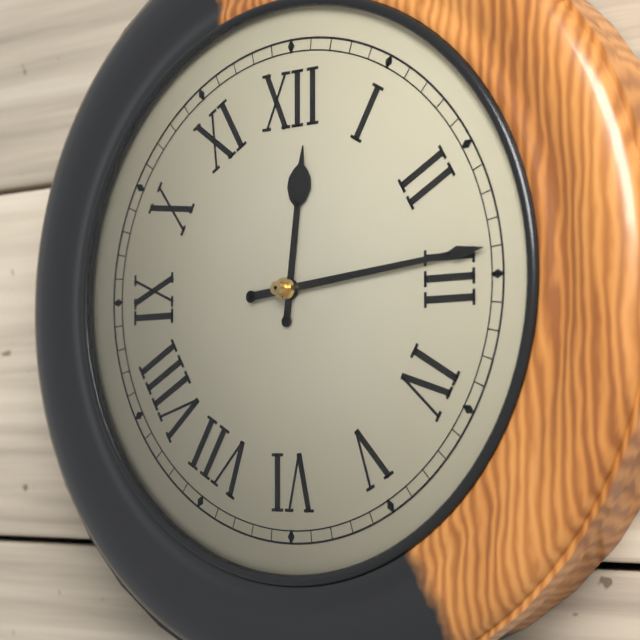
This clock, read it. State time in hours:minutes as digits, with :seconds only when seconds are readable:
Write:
12:14
